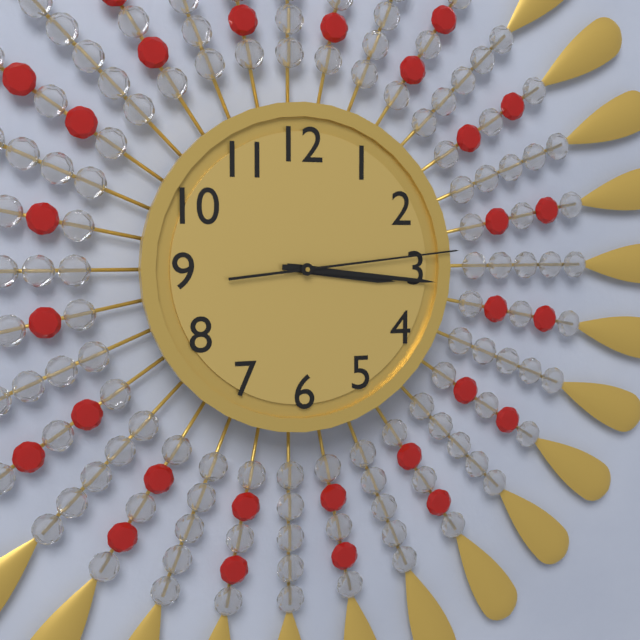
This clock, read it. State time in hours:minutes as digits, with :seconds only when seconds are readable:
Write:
3:16:14
